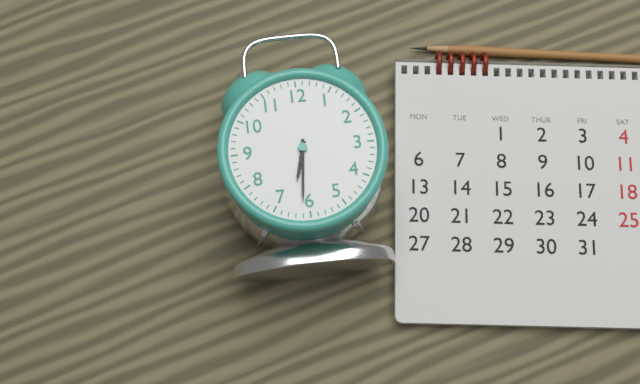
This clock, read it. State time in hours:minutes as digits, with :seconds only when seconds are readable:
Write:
6:31
